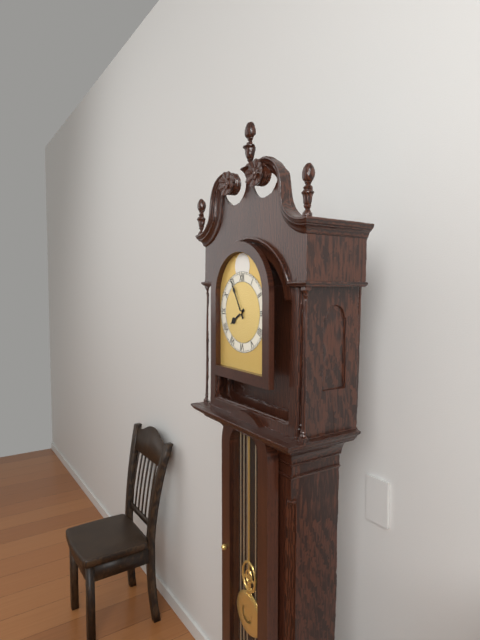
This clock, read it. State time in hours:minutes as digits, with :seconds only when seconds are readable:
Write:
7:55
